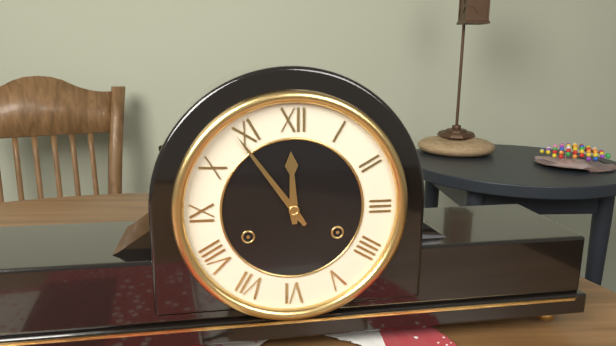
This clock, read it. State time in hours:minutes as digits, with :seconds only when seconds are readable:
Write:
11:54
